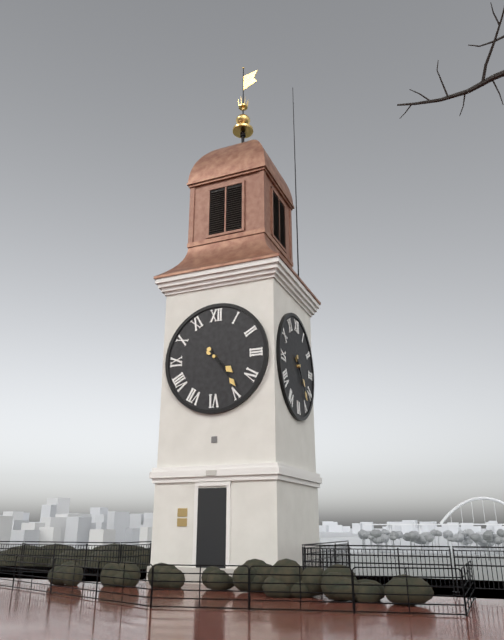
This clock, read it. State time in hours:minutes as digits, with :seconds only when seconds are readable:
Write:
4:24
